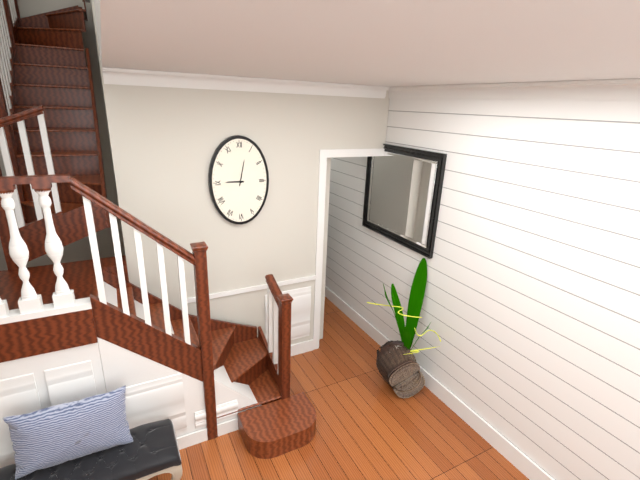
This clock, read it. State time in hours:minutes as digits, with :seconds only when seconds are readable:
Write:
9:02
